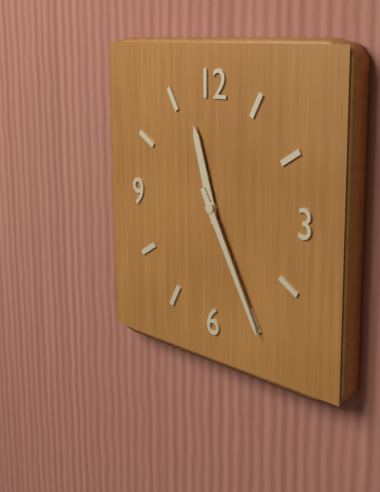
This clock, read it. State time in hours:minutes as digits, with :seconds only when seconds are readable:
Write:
11:25
